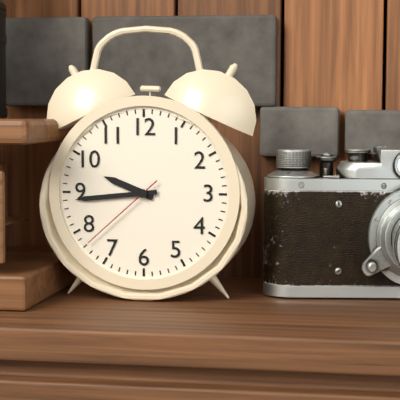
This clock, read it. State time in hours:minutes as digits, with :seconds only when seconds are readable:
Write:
9:44:38
